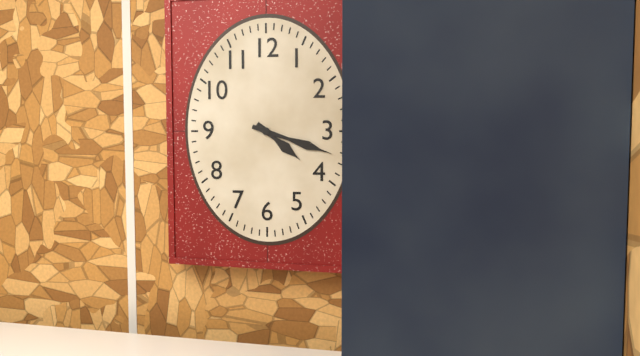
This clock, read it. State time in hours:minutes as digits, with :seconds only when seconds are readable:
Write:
4:18
